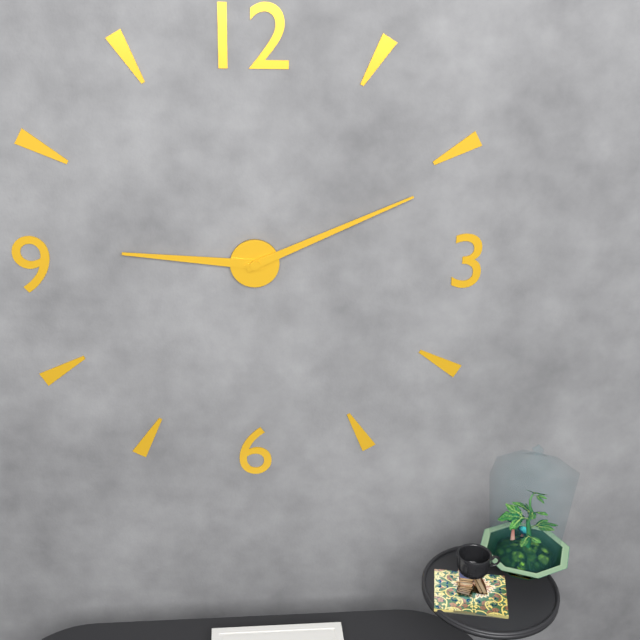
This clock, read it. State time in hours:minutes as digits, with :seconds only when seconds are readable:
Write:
9:11
